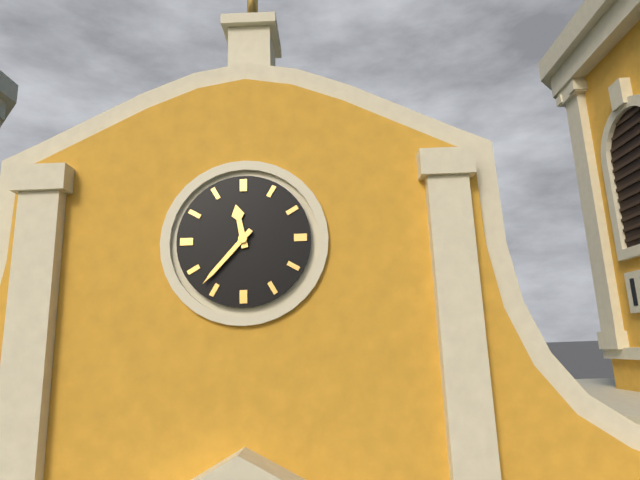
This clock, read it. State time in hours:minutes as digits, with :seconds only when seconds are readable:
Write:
11:37
